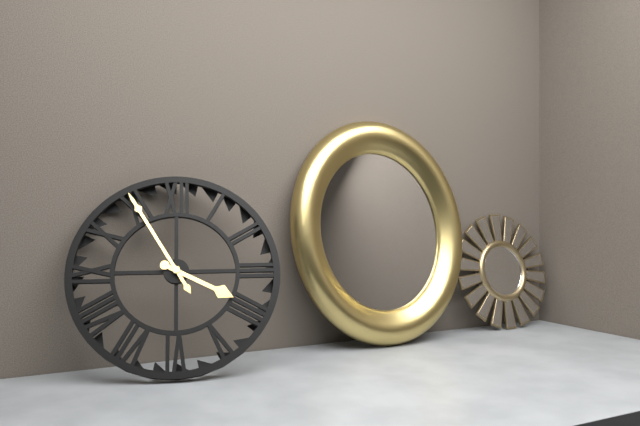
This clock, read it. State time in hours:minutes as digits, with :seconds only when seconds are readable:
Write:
3:55
